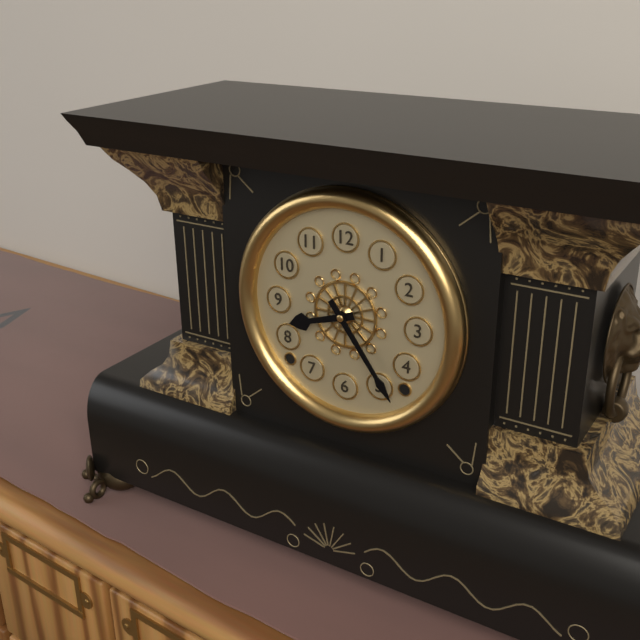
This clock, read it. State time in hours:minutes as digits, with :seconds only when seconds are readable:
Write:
8:24
